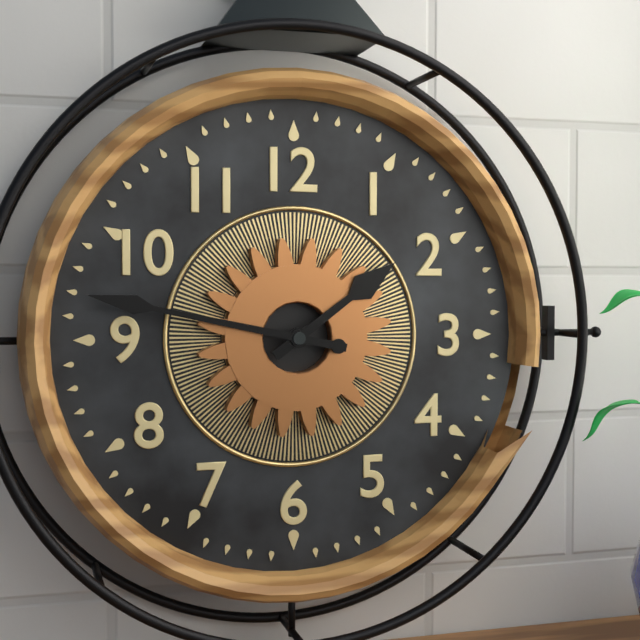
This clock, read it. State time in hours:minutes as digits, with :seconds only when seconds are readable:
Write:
1:47
